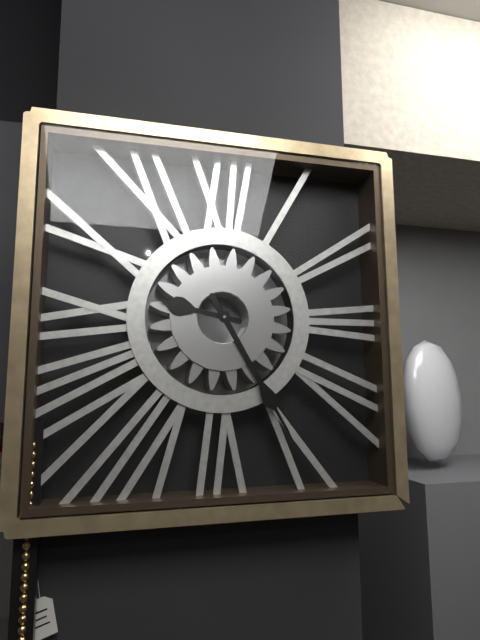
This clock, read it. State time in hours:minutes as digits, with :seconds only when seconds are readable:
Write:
9:25
